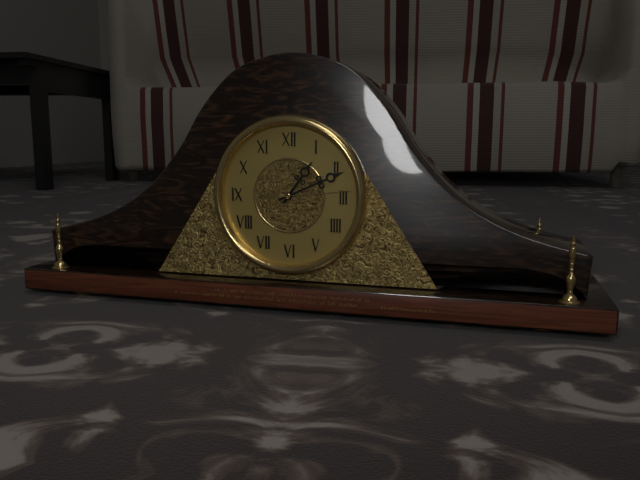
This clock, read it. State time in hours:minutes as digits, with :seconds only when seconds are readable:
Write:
1:11:14
